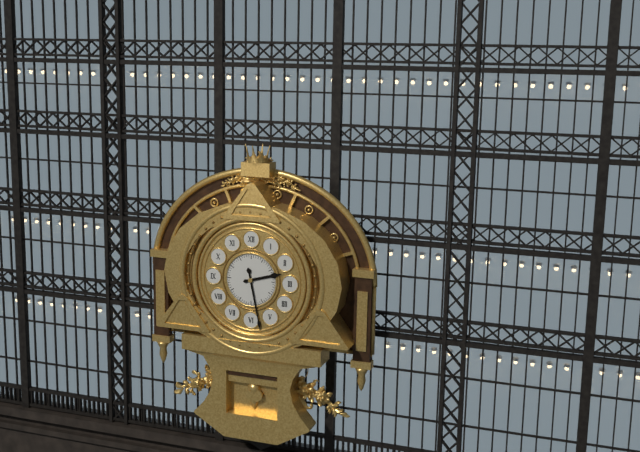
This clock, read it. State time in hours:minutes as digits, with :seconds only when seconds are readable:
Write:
2:28
